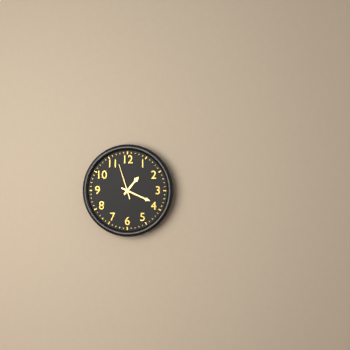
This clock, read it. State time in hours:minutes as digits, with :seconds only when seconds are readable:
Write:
1:19
